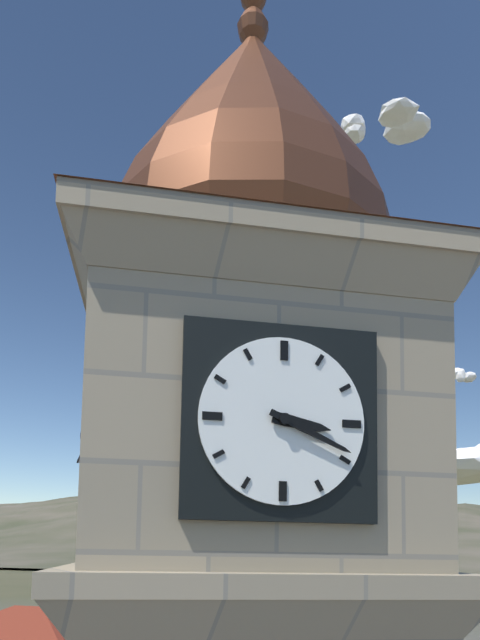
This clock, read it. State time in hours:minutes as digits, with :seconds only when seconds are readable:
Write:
3:19
